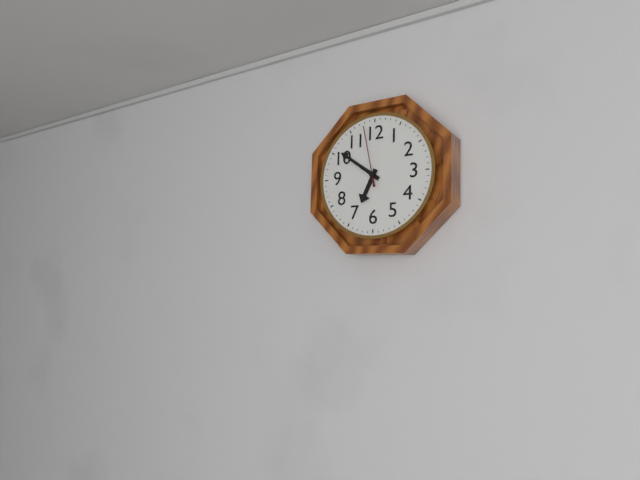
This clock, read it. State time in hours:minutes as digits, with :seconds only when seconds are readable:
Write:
6:51:58
